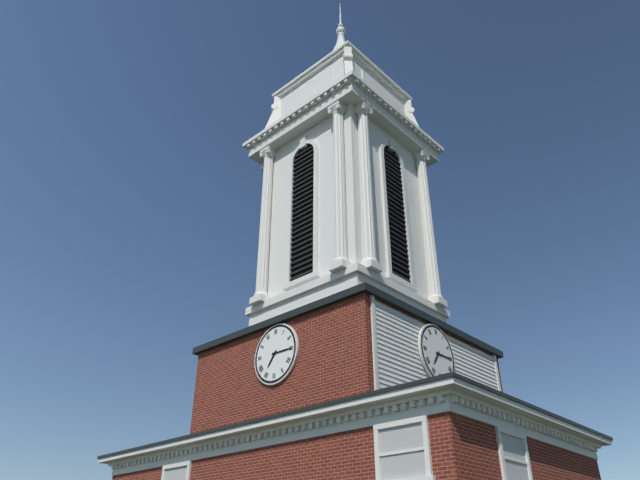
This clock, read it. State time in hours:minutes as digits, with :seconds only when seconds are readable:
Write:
7:15
